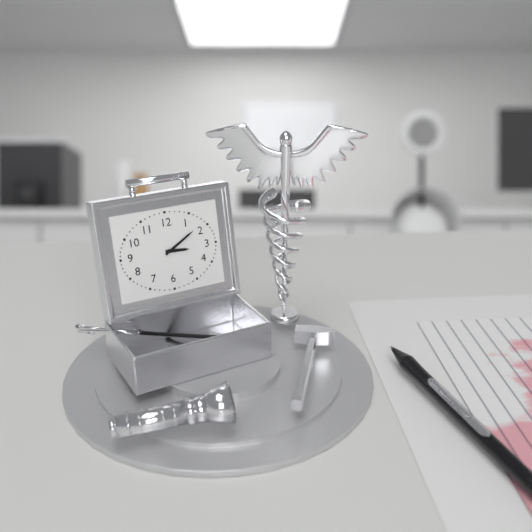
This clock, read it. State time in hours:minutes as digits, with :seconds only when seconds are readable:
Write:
3:10
